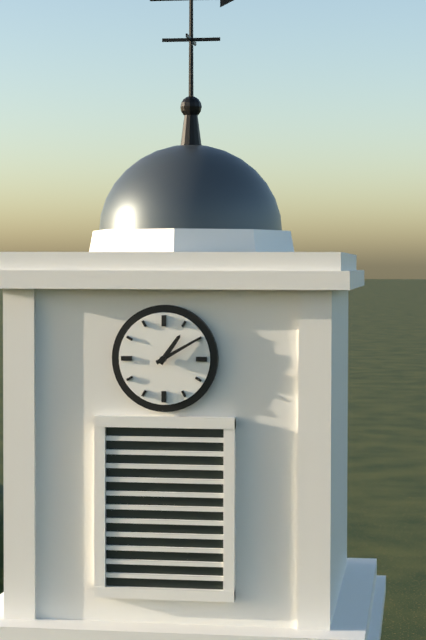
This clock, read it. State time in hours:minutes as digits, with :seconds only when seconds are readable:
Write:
1:10
